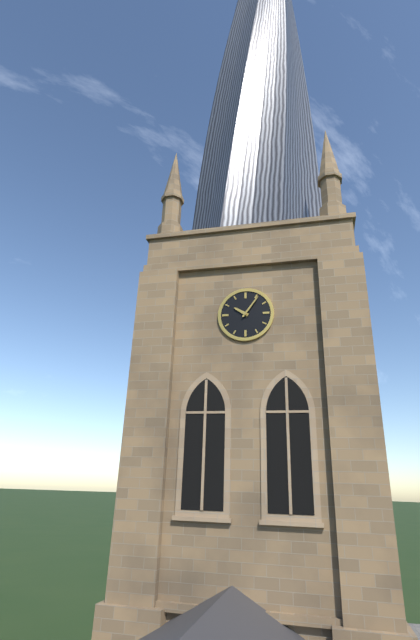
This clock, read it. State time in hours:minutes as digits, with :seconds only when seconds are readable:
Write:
10:06
